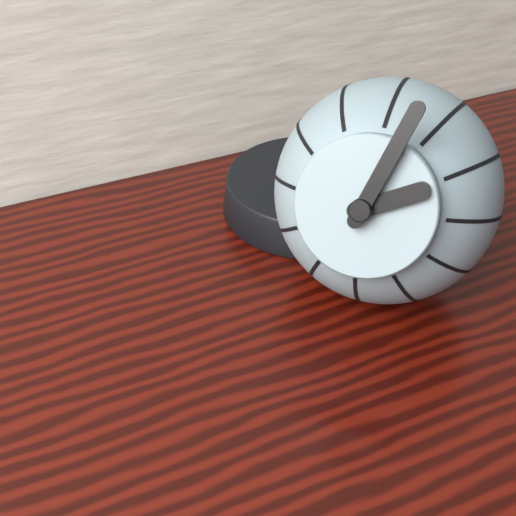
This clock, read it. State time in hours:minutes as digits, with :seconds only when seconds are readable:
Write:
2:03
